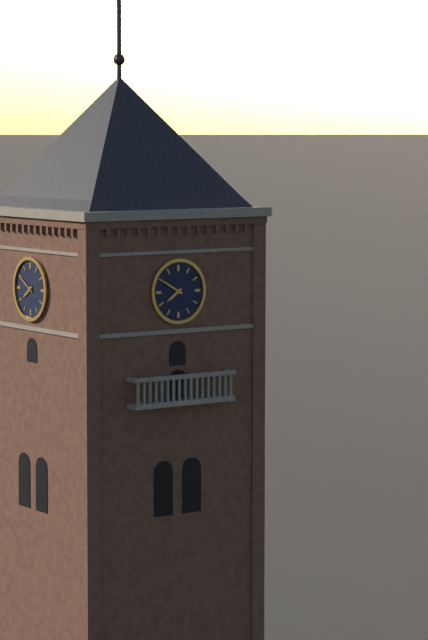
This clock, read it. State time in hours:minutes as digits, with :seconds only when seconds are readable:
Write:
7:50
